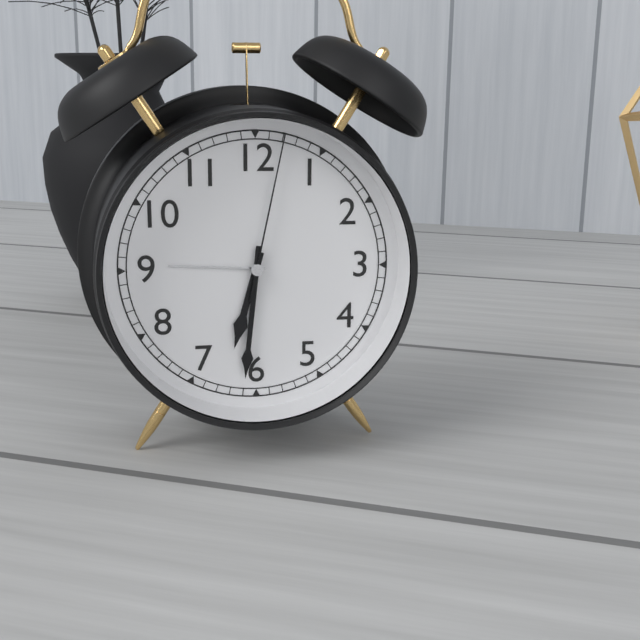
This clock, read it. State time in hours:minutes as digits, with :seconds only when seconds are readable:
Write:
6:31:02
